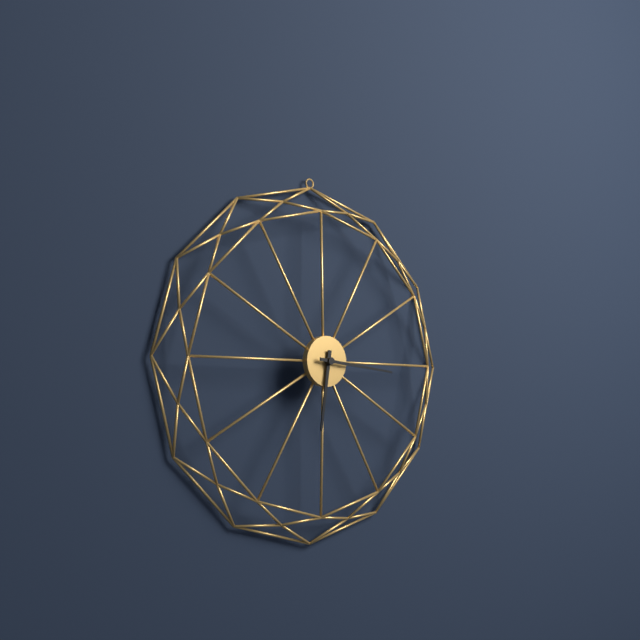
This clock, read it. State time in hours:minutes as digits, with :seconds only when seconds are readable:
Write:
6:16
